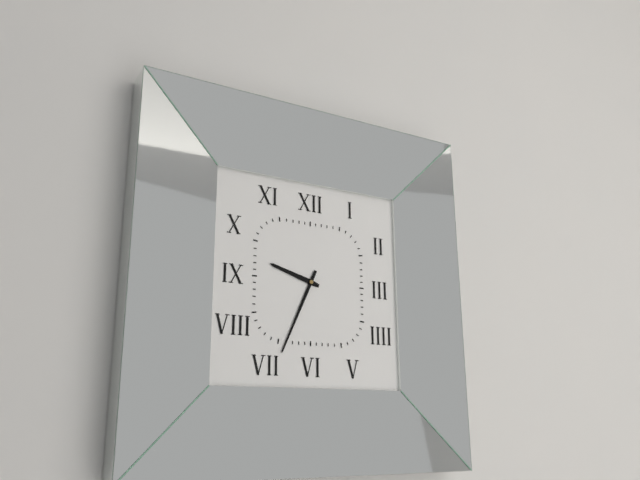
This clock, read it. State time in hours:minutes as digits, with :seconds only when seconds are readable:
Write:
9:34
